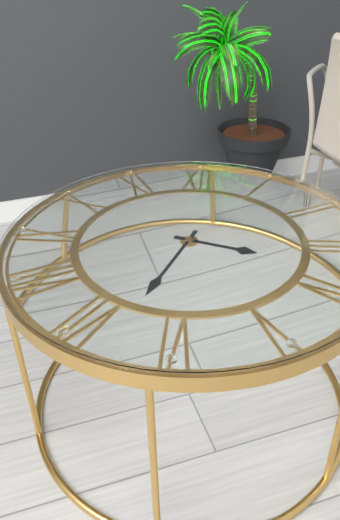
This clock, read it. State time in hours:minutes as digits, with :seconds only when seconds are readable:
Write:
3:33
